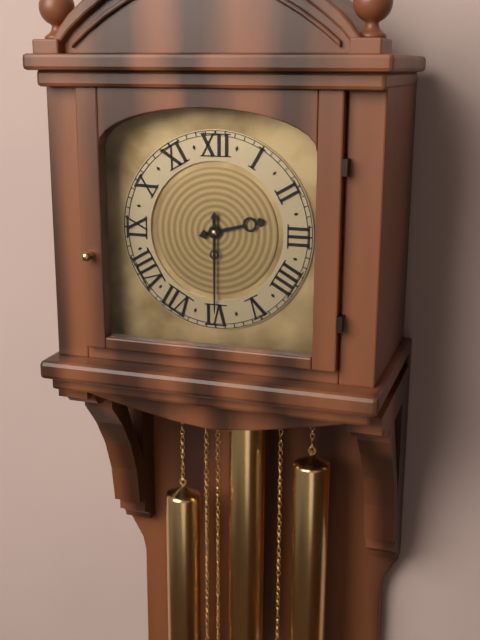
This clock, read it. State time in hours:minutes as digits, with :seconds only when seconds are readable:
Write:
2:30
